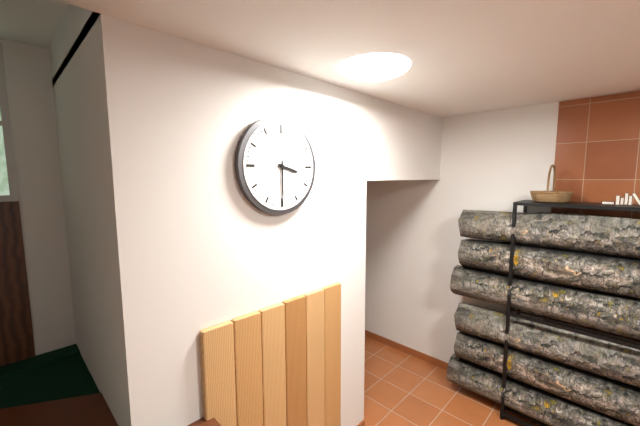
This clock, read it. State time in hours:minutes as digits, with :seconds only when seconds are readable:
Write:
3:30
